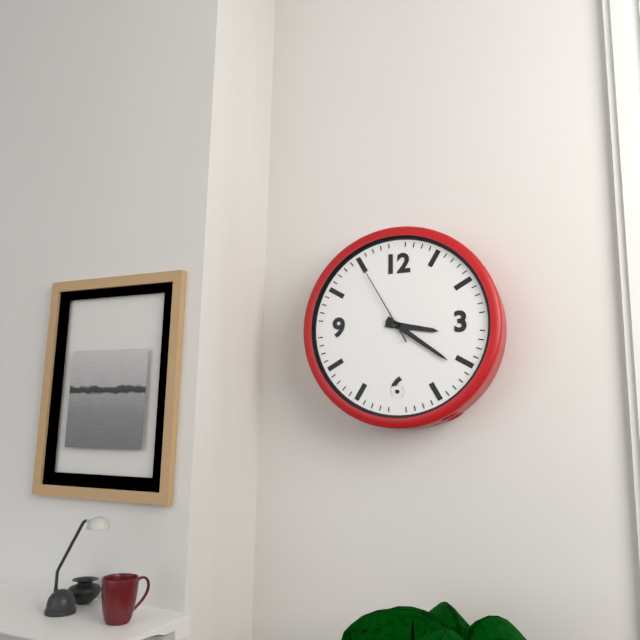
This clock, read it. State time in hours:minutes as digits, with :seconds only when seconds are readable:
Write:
3:21:55
